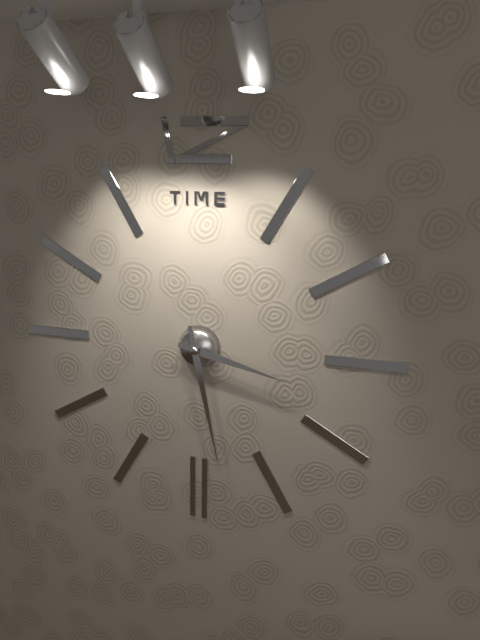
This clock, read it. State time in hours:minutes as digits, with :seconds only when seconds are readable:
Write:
3:28
